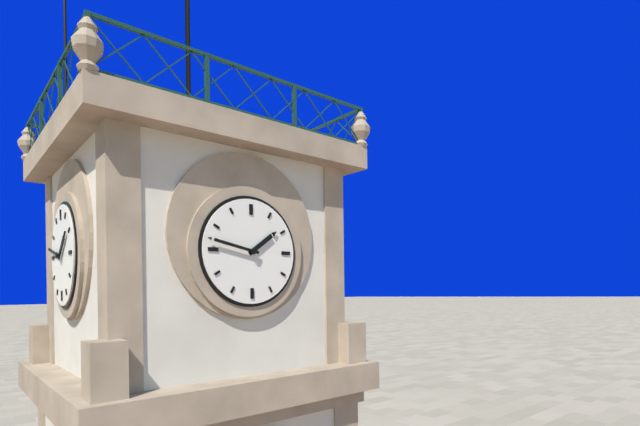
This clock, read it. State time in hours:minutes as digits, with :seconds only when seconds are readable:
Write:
1:47
